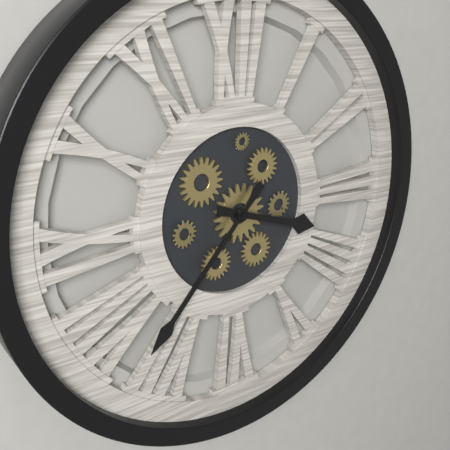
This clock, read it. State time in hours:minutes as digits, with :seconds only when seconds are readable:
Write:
3:37
